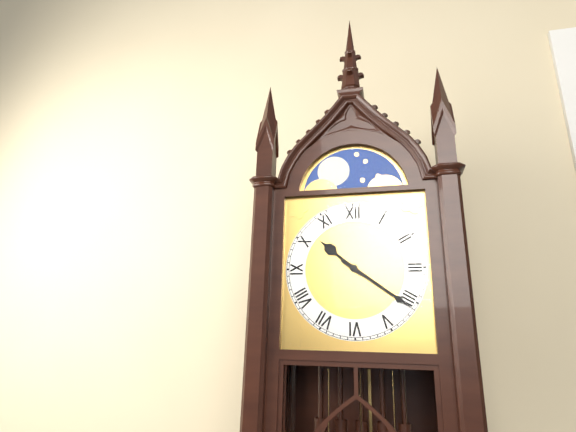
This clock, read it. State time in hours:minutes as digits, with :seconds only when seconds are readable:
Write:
10:21
